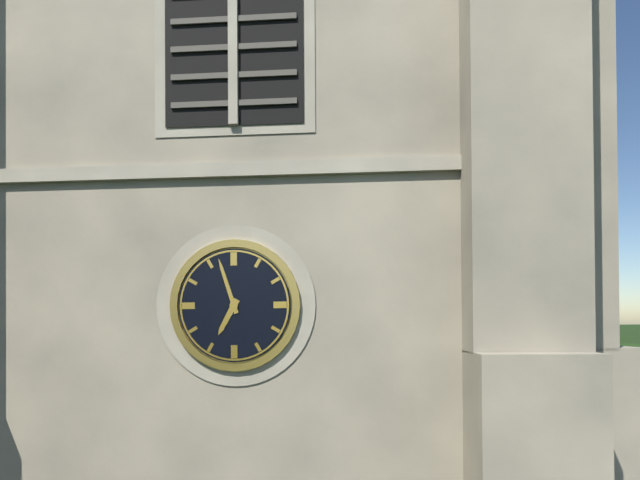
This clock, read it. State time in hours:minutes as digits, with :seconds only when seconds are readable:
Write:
6:57
